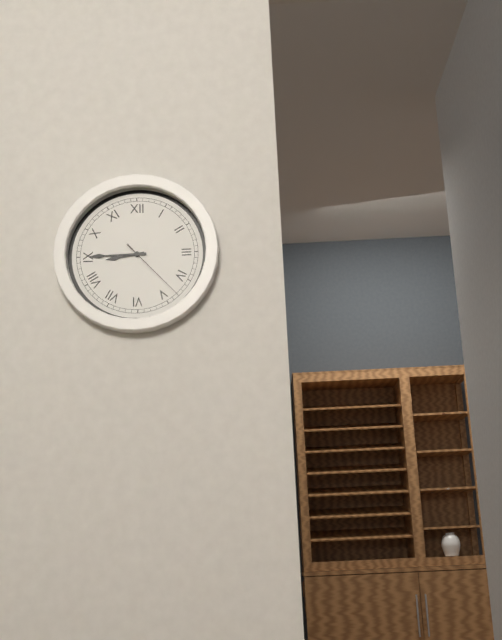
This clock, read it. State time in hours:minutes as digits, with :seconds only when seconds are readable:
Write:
8:45:23
